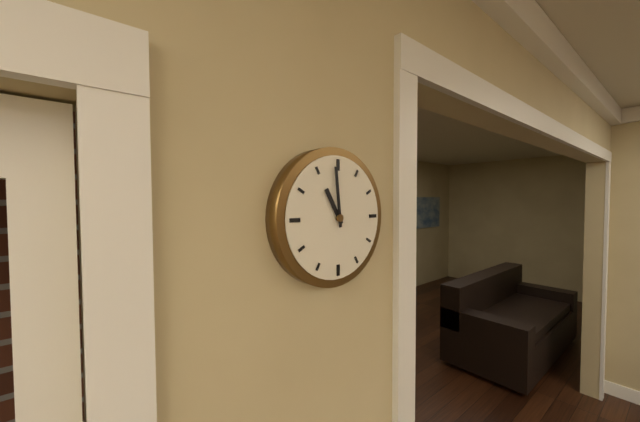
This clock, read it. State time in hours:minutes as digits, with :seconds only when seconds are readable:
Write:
10:59
